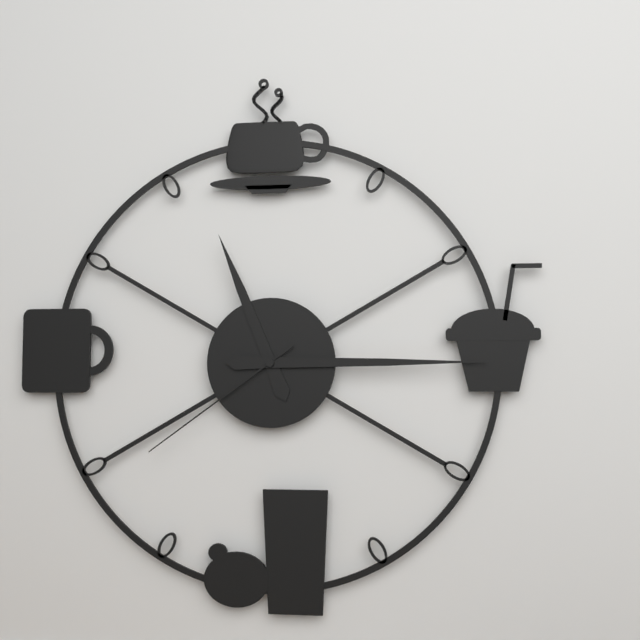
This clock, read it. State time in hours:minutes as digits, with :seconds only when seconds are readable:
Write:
11:15:39
